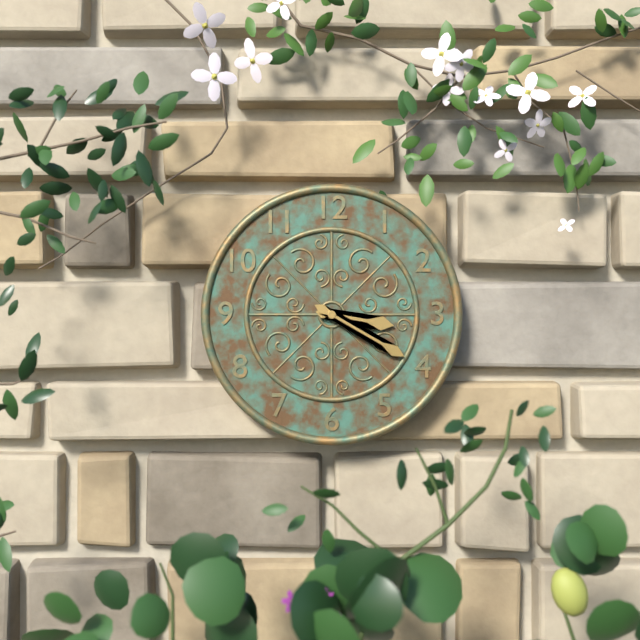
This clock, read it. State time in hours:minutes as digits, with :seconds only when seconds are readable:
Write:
3:20
